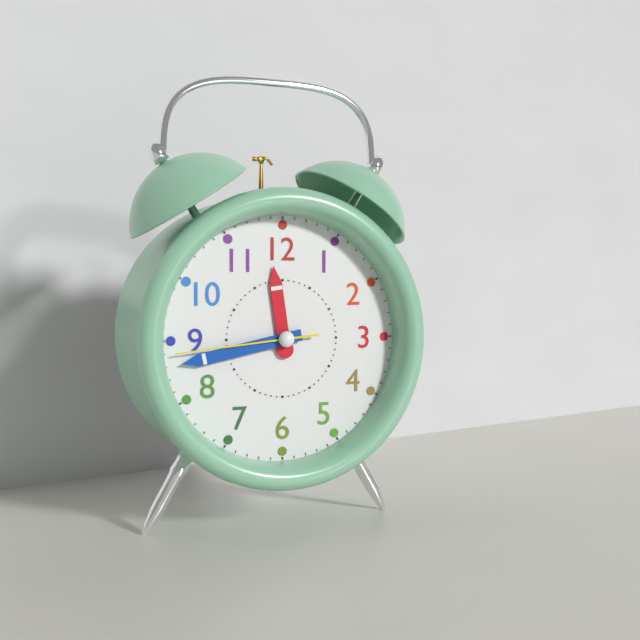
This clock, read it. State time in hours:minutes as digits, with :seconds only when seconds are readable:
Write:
11:43:44
